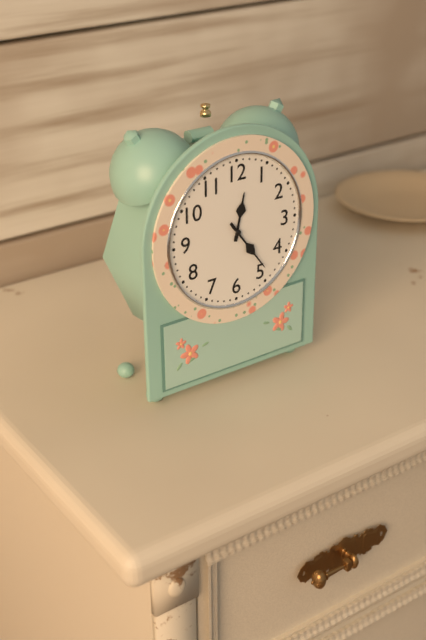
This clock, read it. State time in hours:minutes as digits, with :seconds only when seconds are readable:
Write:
12:24
